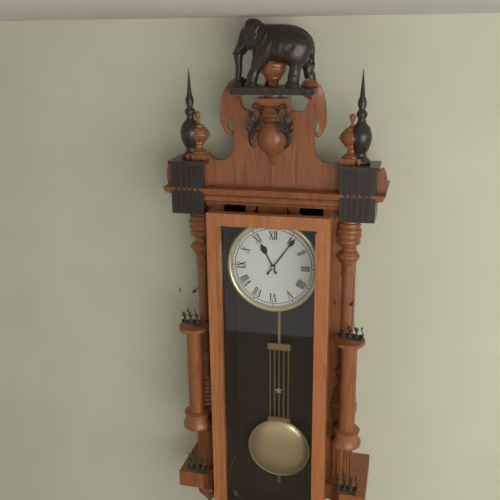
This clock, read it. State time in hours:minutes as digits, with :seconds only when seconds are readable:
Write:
11:06
